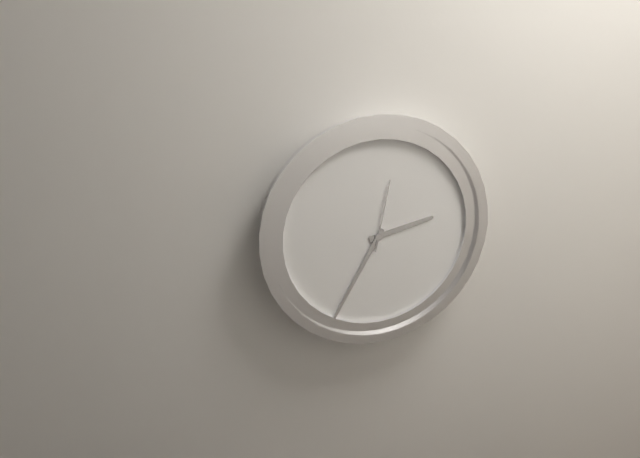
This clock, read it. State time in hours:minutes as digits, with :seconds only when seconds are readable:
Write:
2:35:02
